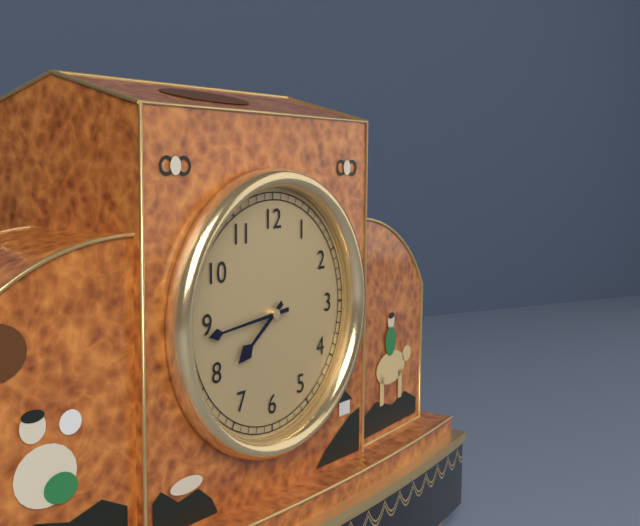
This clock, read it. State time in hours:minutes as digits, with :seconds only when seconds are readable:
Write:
7:44
